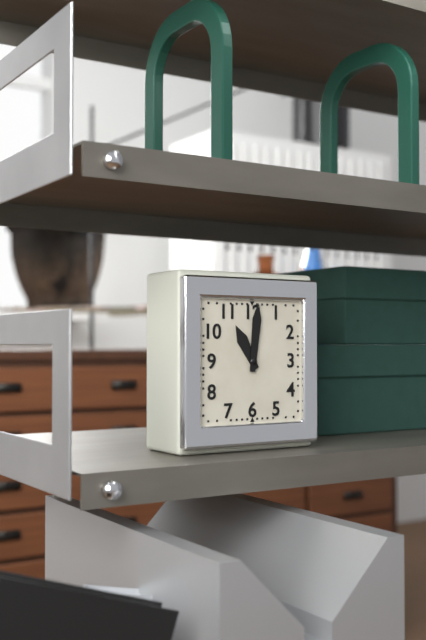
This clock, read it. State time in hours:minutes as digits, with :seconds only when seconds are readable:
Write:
11:01
